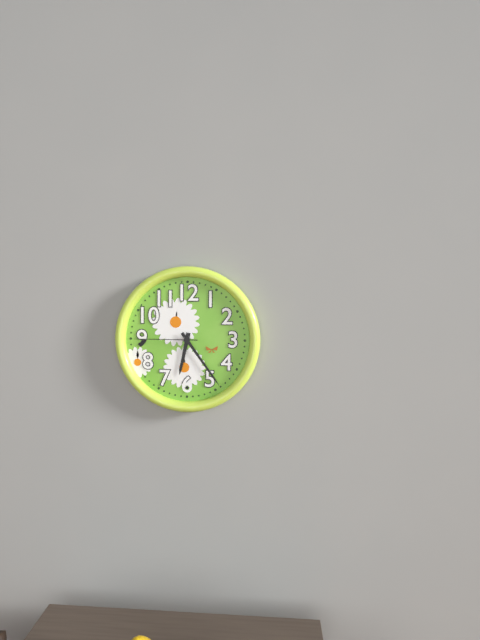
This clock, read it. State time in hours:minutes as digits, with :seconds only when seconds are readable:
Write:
6:24:45
